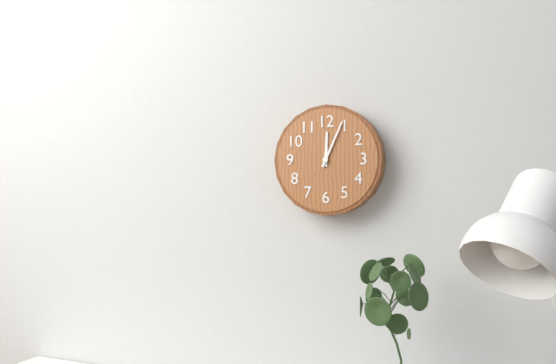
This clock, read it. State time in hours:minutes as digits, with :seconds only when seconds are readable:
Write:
12:04
